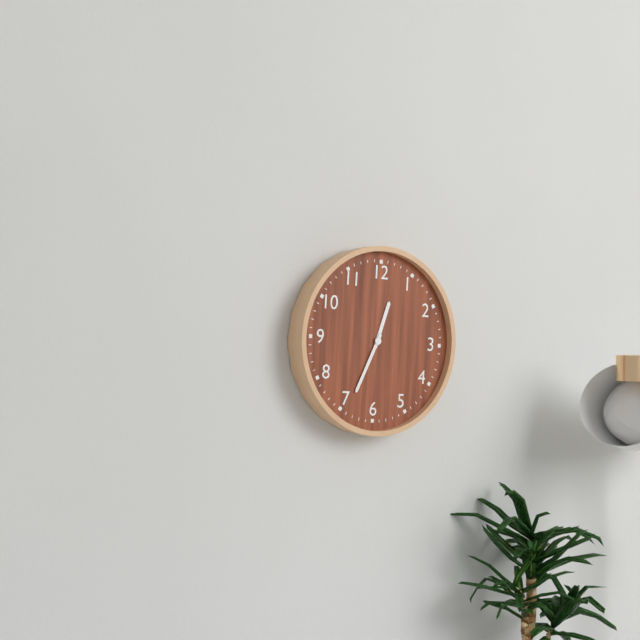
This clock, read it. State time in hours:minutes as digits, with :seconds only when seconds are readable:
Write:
12:34
